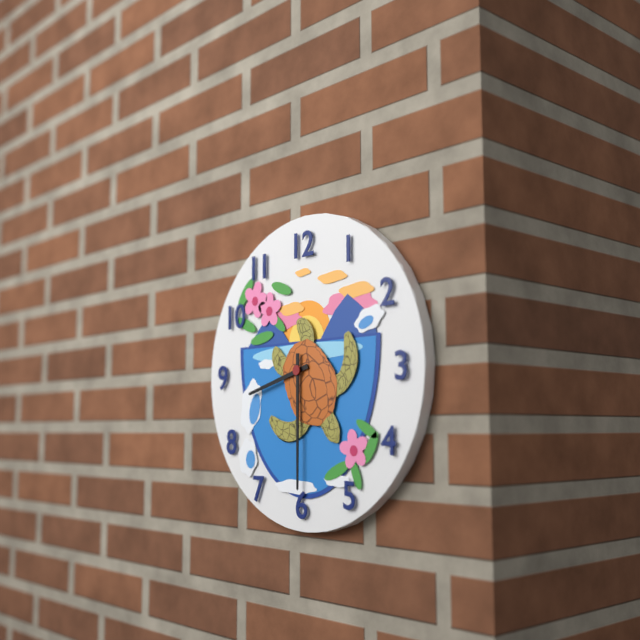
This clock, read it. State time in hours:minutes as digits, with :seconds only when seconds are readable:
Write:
8:30
